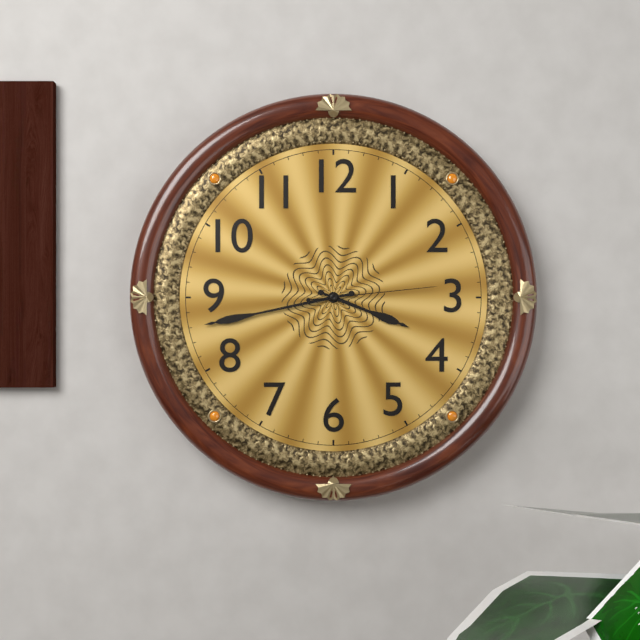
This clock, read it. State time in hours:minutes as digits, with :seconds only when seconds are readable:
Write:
3:43:14
